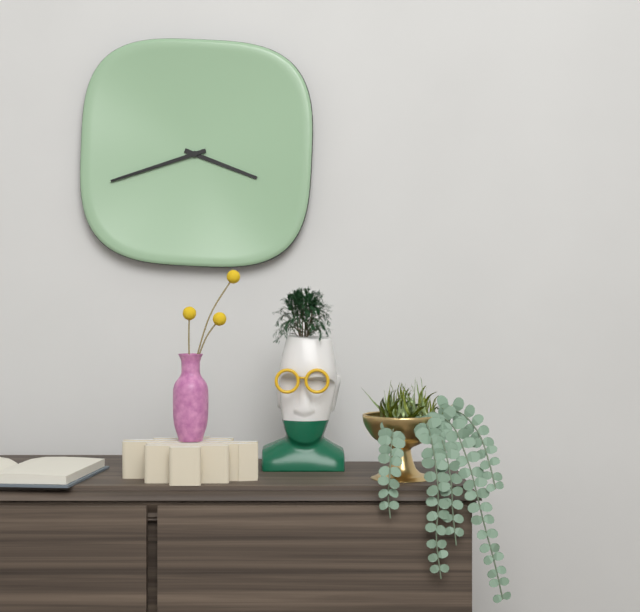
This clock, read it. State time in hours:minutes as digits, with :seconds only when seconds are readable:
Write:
3:42
